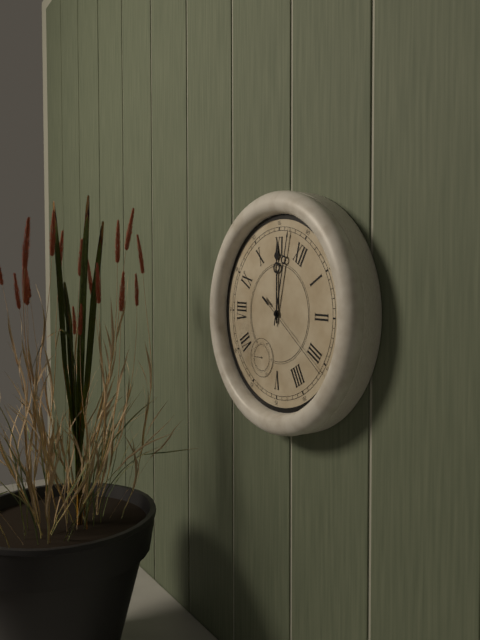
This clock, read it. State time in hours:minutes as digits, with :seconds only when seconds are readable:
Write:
10:57:16
